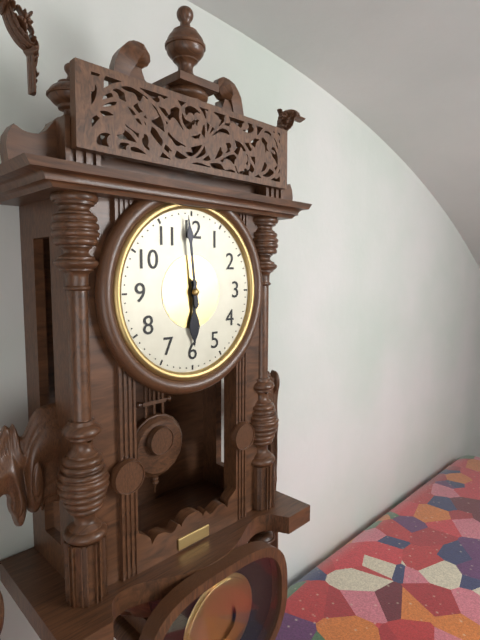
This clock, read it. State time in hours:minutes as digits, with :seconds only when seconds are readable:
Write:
5:59
